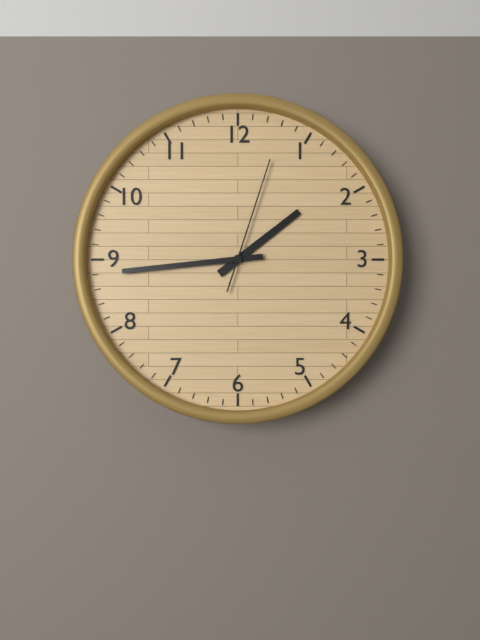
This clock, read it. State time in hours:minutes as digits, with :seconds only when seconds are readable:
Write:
1:44:03
